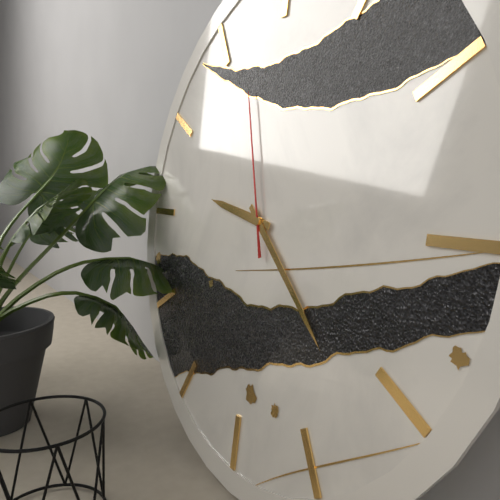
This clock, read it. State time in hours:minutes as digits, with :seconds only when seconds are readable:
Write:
9:22:57
